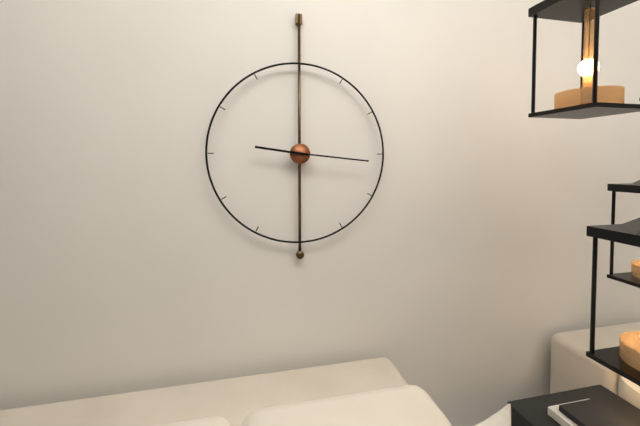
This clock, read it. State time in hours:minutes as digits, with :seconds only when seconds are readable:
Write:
9:16
